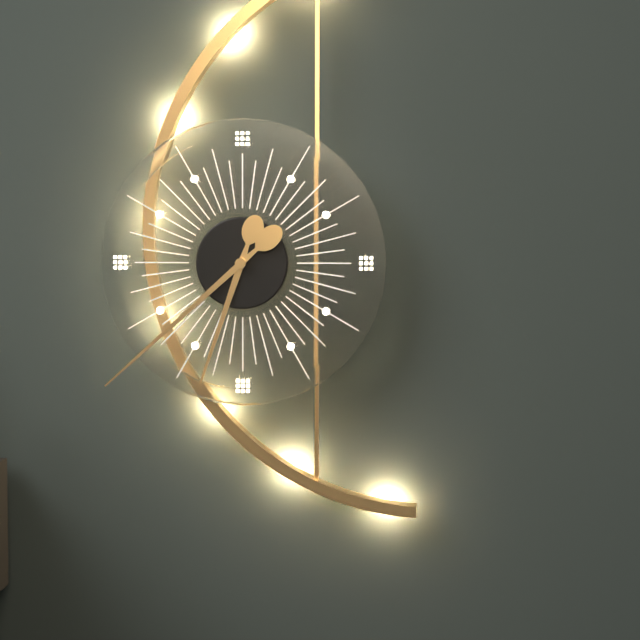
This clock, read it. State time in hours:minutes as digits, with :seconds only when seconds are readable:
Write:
6:38
